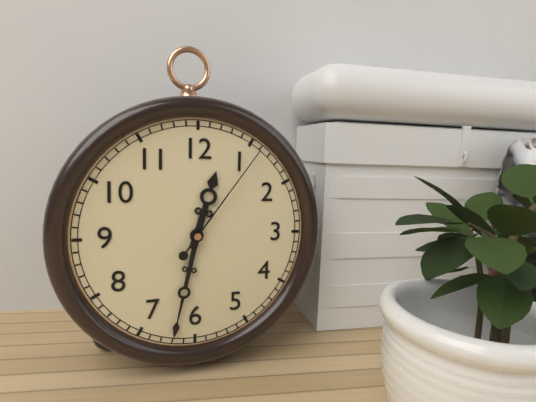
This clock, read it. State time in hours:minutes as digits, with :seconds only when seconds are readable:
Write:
12:32:06
